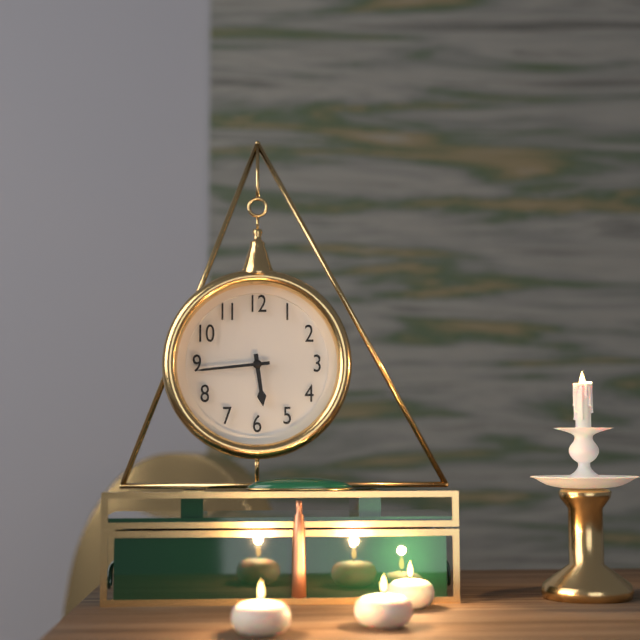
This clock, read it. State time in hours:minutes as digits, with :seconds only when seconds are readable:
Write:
5:44
